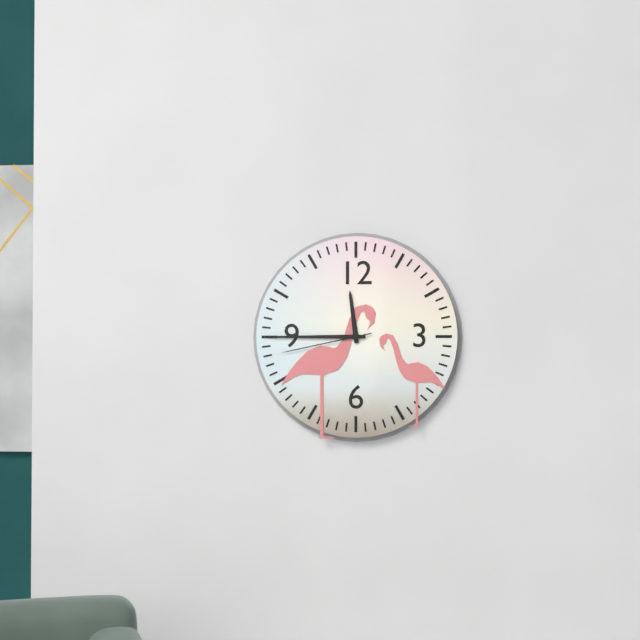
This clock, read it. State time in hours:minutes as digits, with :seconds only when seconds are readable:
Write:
11:45:43
